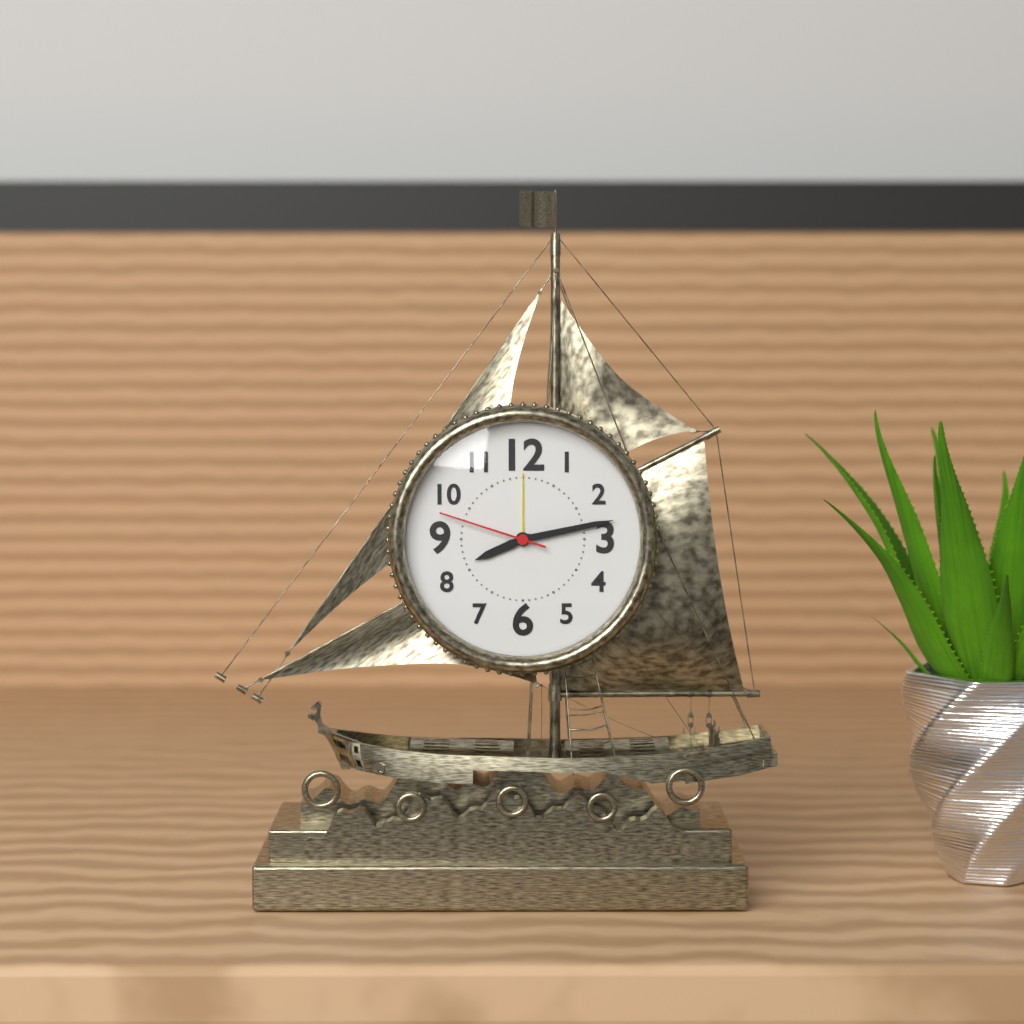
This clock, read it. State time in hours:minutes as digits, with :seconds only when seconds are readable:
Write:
8:13:48
